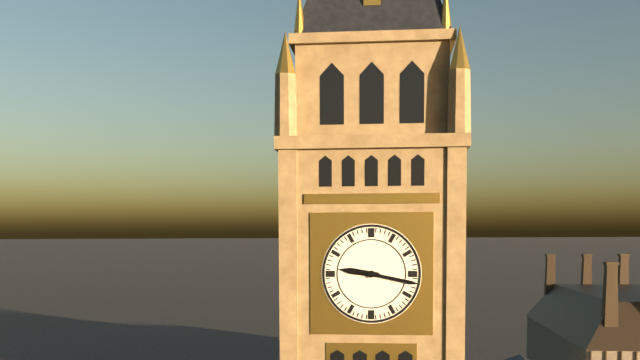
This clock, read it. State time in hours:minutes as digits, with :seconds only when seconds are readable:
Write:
9:17
